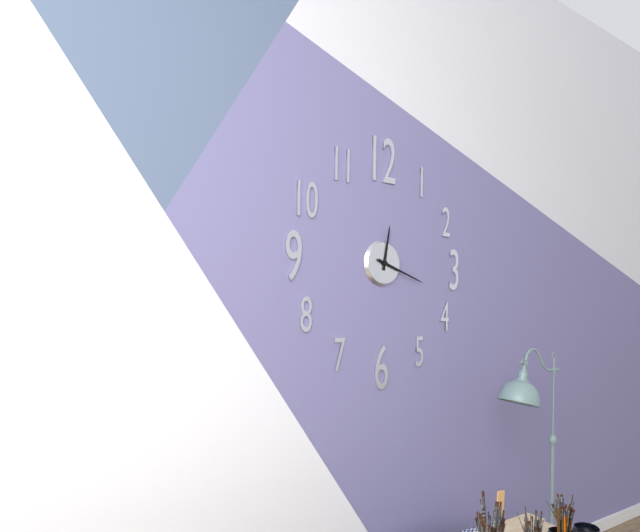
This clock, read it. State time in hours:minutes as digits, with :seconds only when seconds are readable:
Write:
12:18
